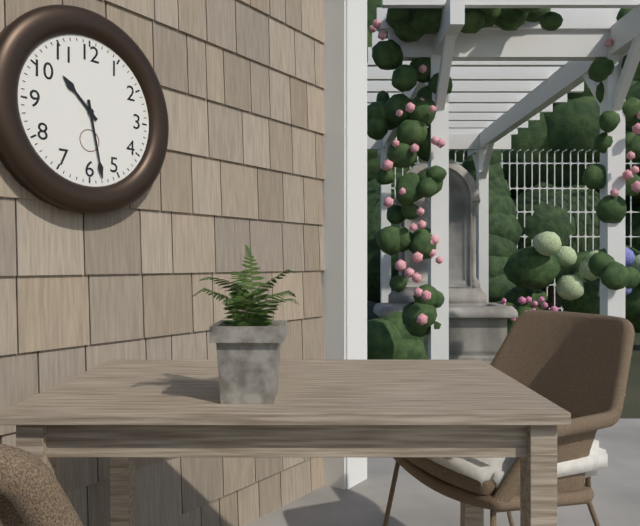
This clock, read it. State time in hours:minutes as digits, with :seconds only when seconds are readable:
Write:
10:28
